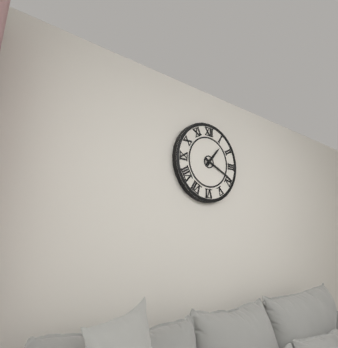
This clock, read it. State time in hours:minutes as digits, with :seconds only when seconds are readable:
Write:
1:19
